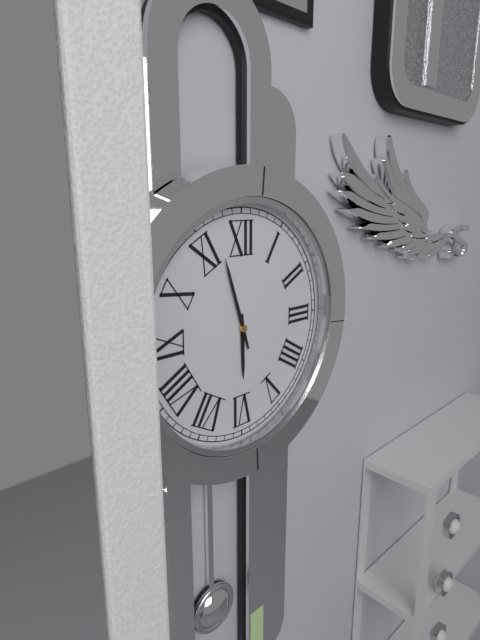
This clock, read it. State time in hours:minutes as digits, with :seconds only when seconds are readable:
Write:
5:57
